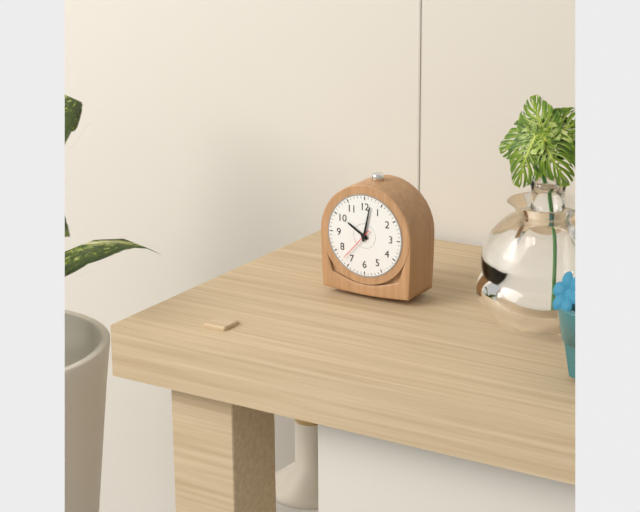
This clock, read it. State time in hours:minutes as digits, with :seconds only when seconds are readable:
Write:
10:02
